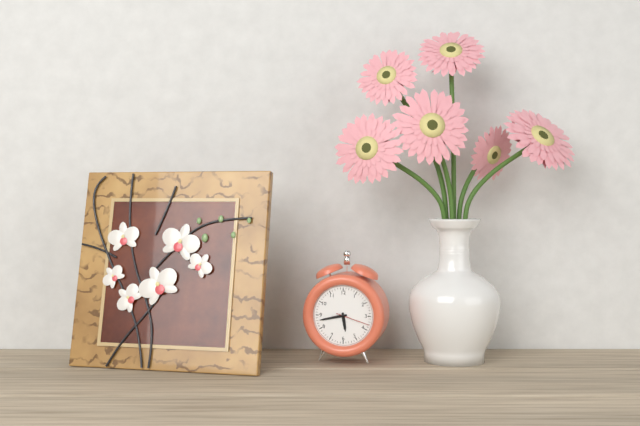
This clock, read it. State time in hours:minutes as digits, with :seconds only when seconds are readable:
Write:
5:43
